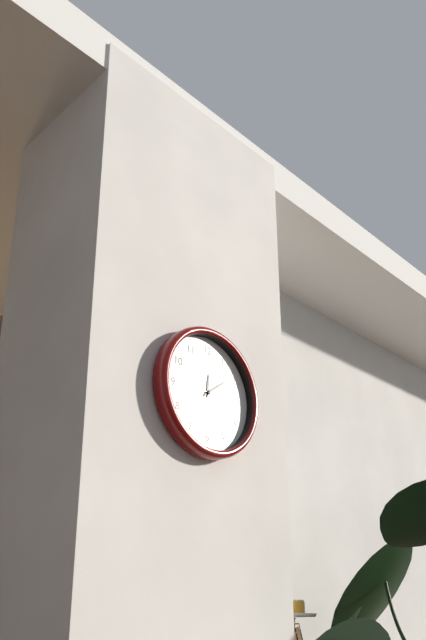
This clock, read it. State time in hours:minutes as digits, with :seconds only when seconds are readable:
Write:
12:09
